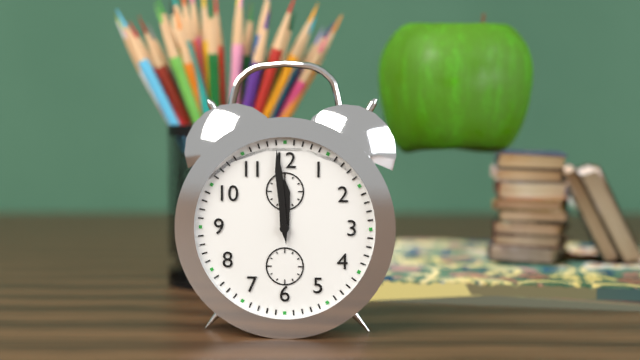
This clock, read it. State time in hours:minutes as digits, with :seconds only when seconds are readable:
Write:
11:59
